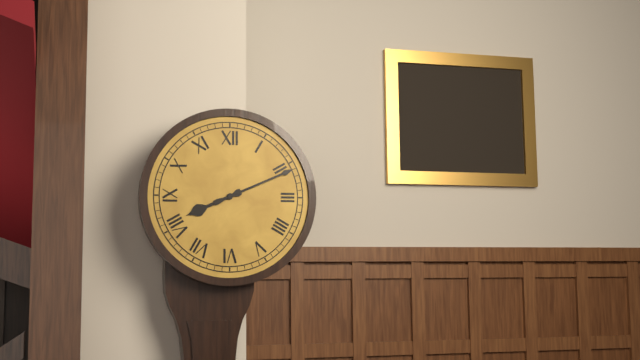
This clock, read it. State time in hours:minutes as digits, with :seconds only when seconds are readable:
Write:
8:11
